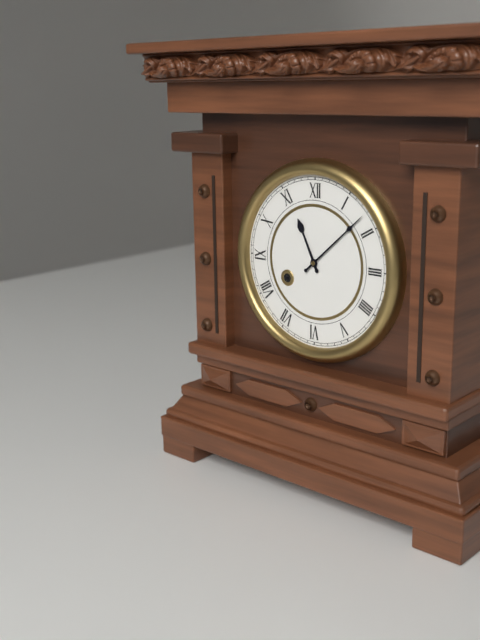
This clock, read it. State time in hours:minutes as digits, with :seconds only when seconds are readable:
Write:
11:08
